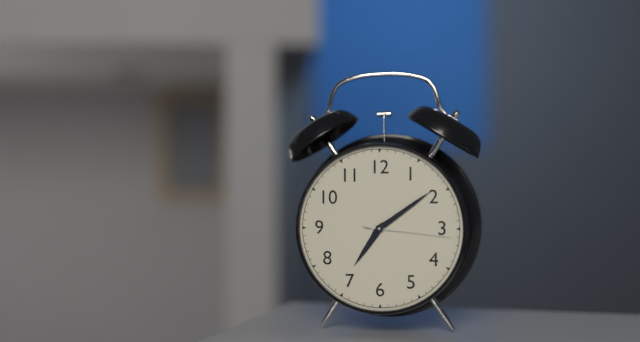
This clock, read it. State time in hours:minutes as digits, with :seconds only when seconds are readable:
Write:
7:09:16
